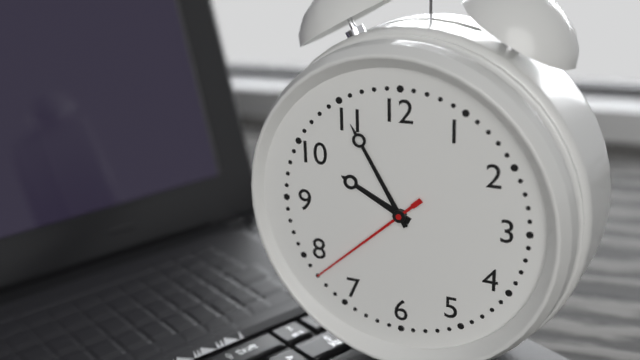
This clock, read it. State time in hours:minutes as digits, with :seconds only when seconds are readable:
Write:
9:55:38
